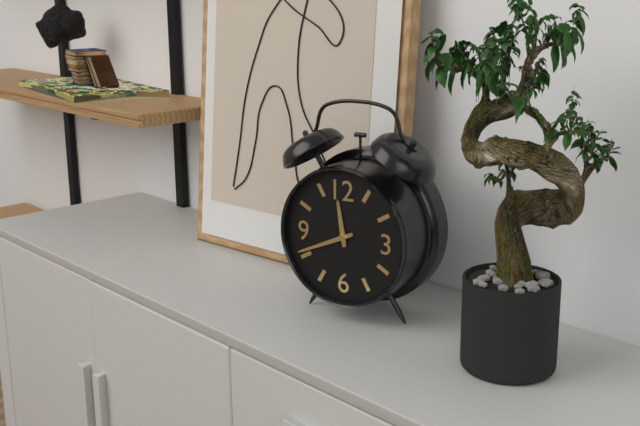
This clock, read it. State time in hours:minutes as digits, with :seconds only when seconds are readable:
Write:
11:41
